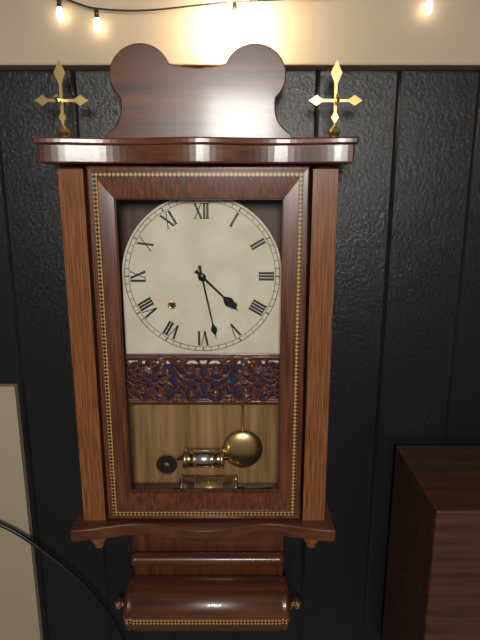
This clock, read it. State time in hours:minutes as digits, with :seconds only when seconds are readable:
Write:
4:28
